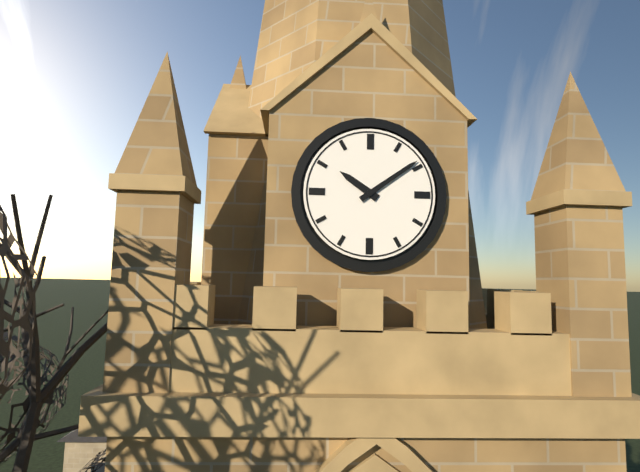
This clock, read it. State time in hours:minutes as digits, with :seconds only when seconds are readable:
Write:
10:09
